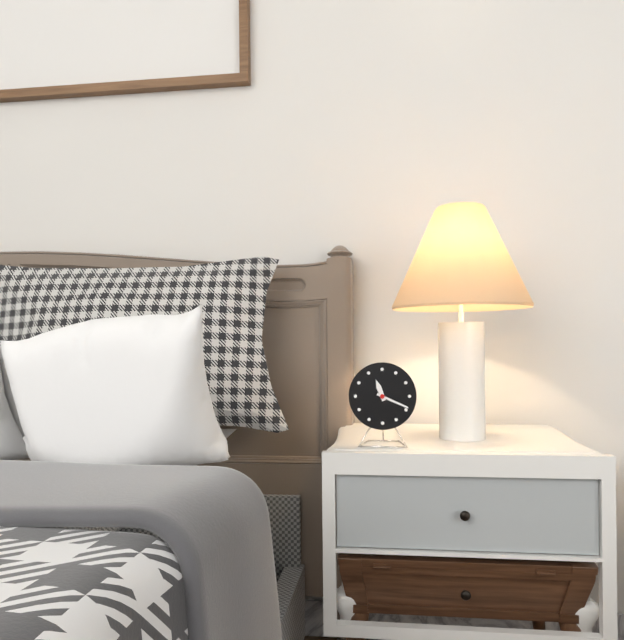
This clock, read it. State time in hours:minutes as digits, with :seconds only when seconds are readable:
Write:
11:19
